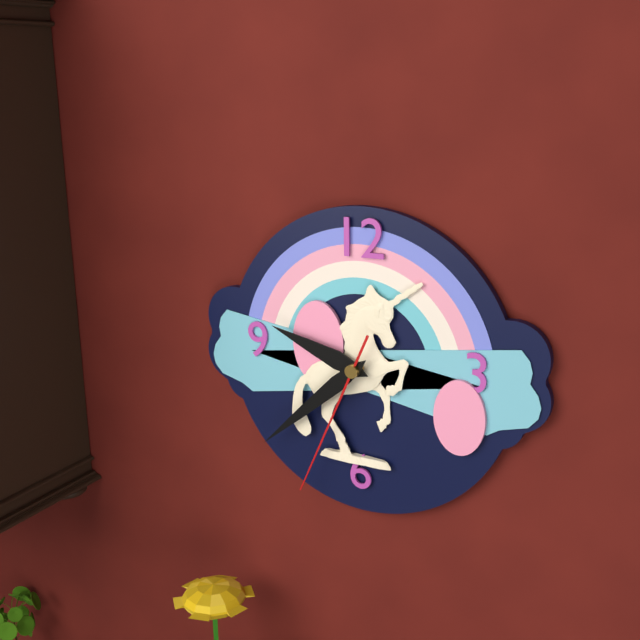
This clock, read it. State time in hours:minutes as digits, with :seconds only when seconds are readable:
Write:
9:38:34
